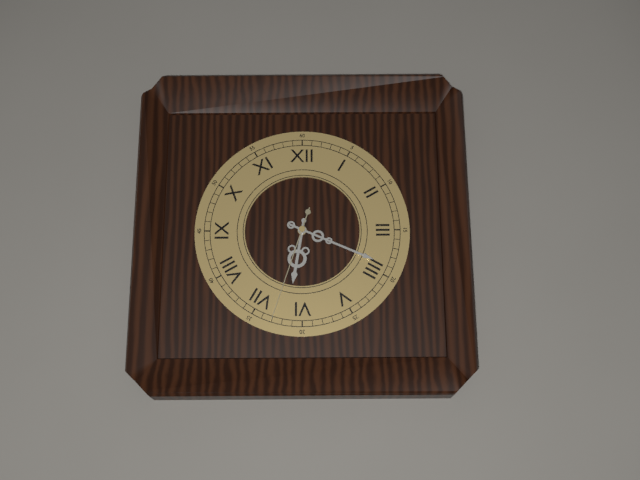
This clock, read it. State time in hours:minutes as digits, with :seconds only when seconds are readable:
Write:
6:19:33
